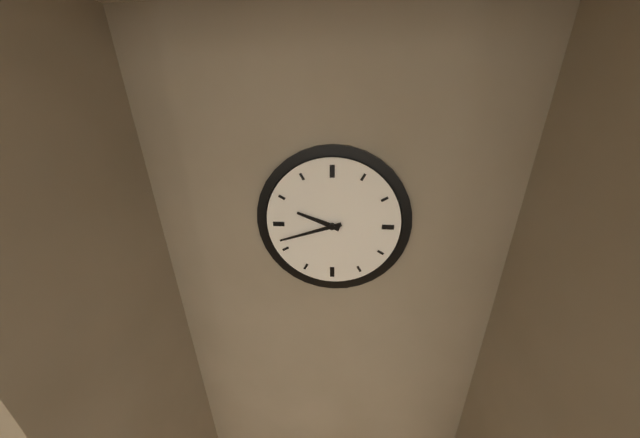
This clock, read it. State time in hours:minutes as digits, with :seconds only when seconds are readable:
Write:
9:42
